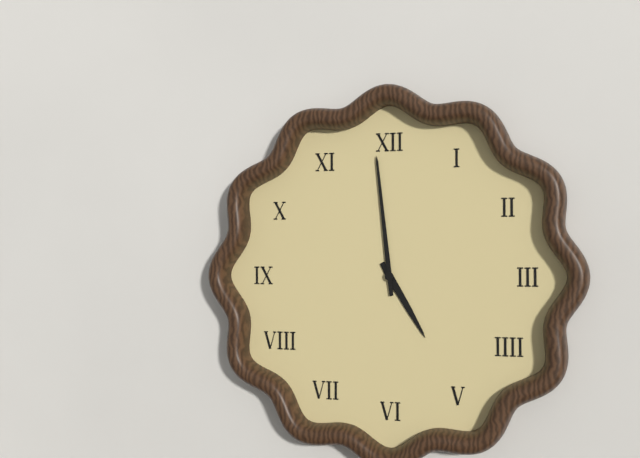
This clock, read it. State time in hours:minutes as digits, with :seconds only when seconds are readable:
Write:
4:59
